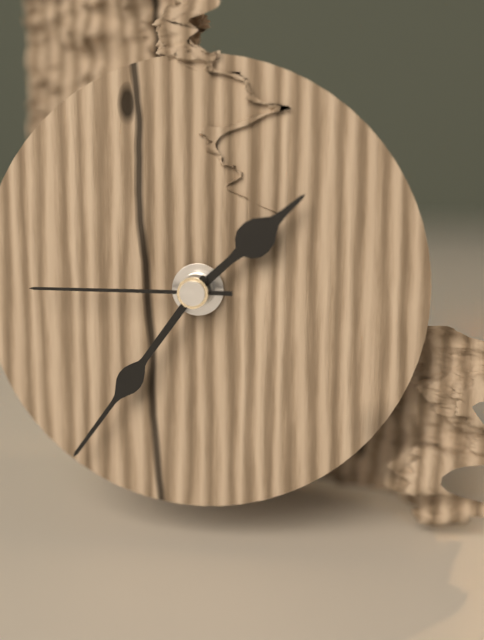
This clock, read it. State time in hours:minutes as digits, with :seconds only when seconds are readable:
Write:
1:36:45
